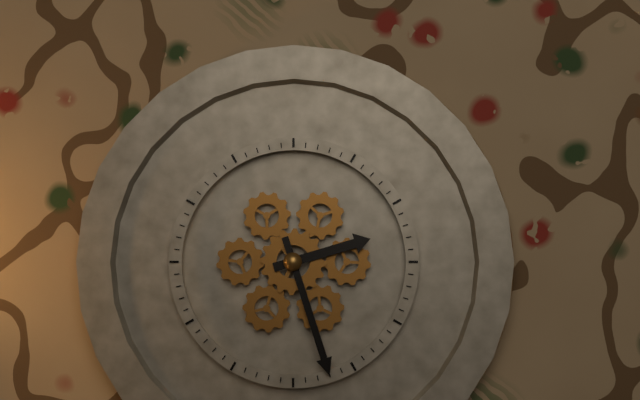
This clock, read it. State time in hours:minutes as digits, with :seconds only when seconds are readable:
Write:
2:27
